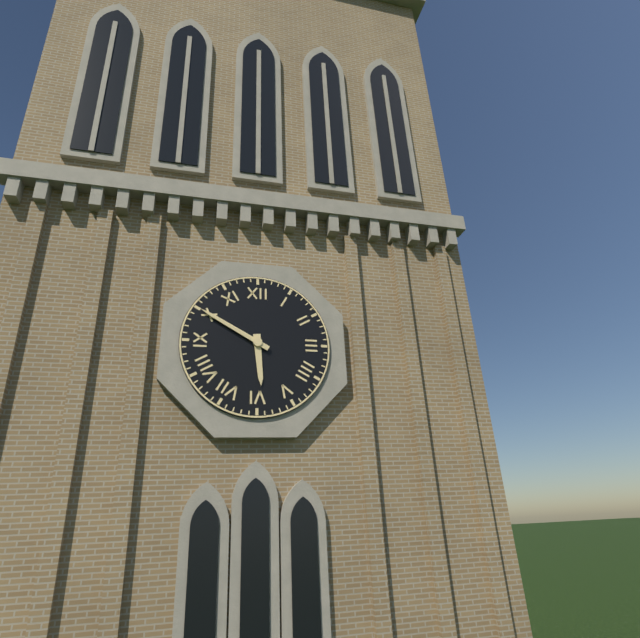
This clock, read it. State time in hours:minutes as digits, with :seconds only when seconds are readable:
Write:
5:50
